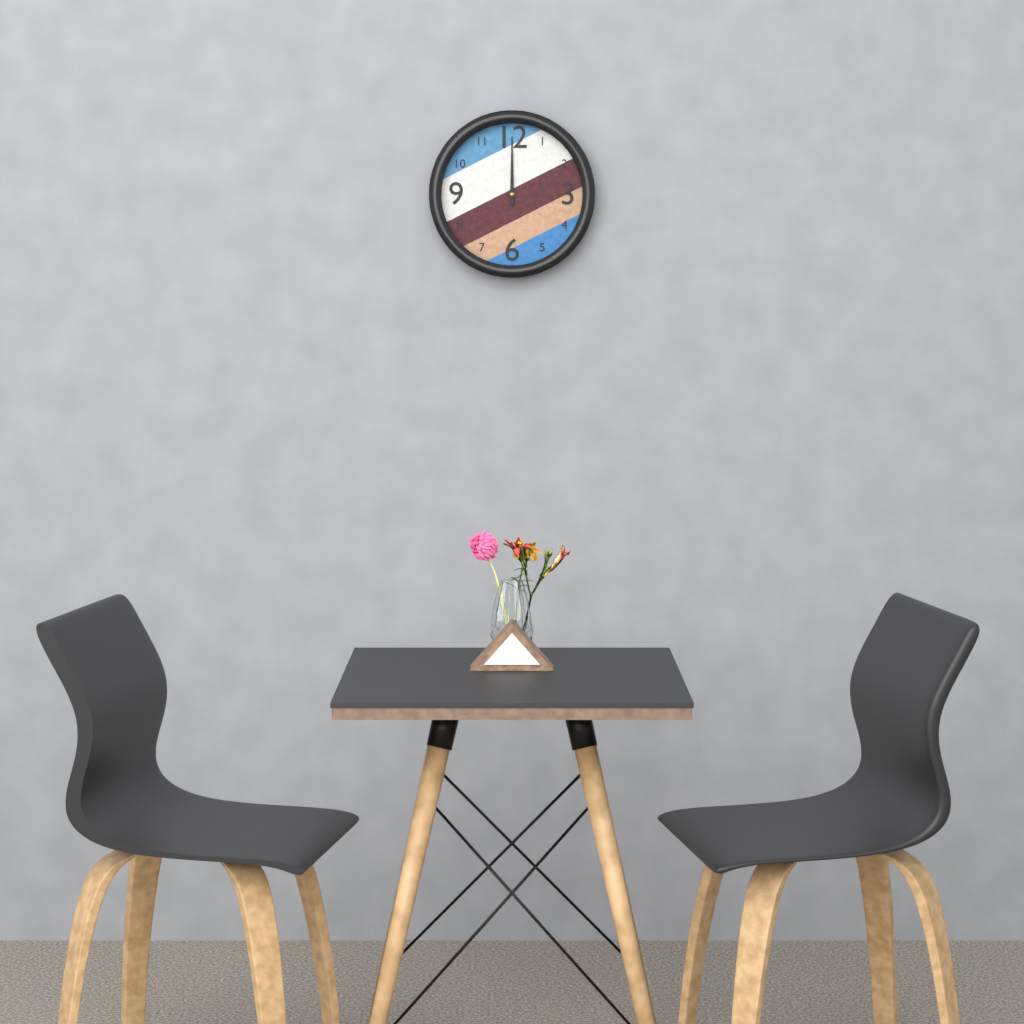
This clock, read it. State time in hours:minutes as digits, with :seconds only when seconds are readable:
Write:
12:00
